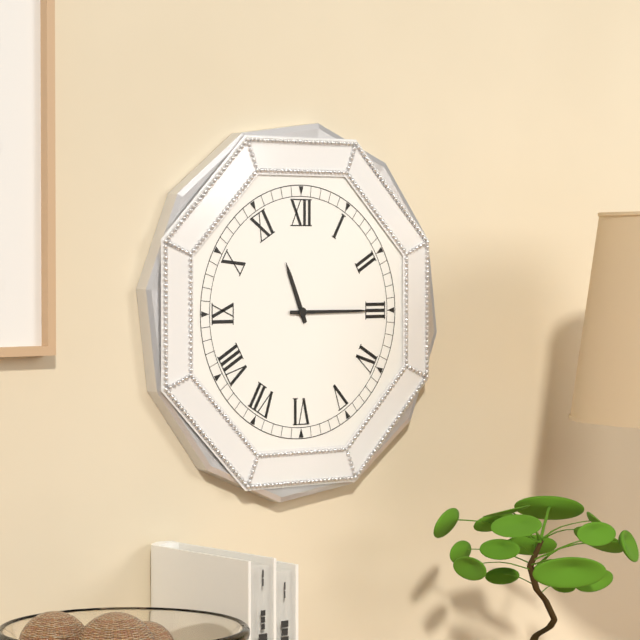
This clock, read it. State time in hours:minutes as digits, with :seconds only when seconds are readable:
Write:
11:15
